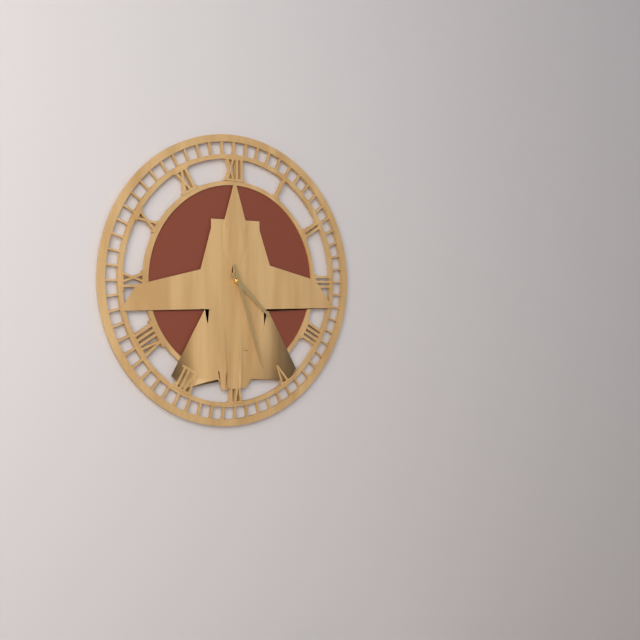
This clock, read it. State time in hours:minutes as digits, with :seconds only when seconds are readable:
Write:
4:27
